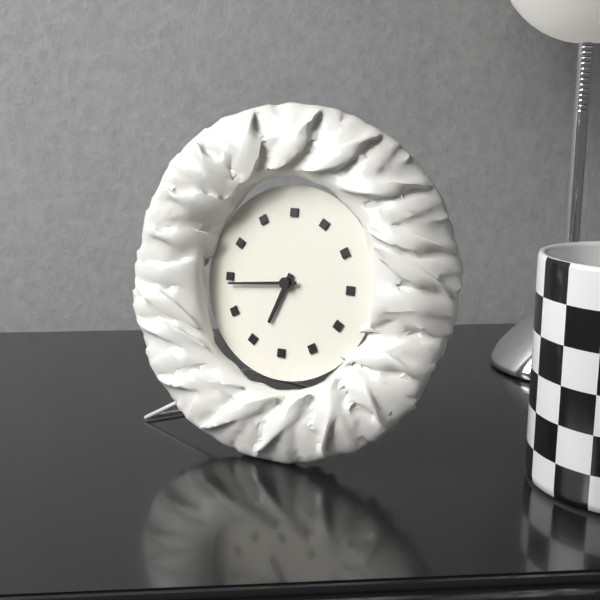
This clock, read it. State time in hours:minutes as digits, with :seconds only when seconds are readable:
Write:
6:44
